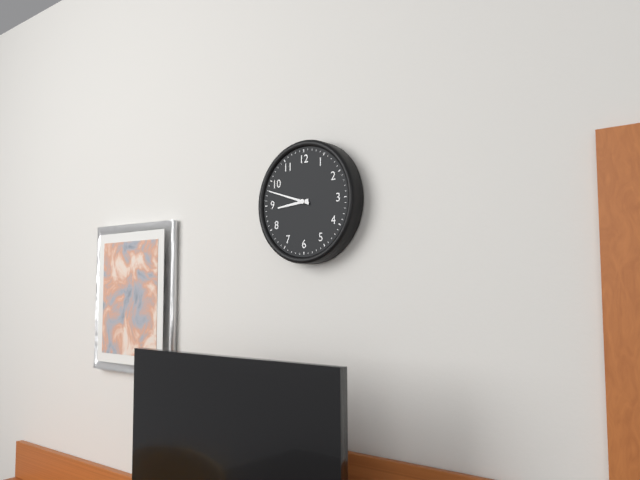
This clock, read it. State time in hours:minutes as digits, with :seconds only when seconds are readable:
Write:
8:48
